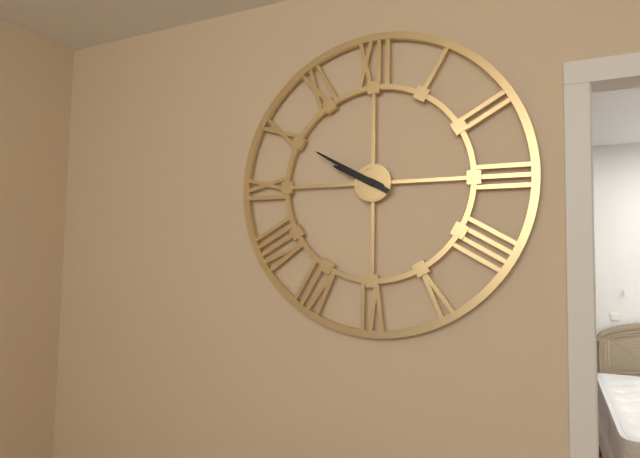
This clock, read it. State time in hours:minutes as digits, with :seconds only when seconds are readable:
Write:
9:50
